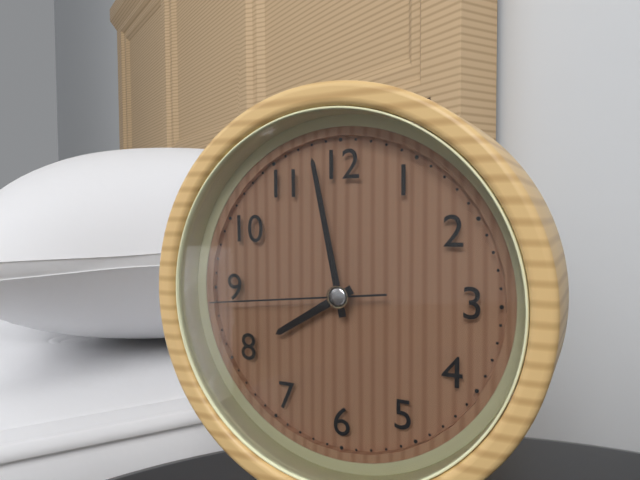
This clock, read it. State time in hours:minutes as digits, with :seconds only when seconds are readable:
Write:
7:58:44
